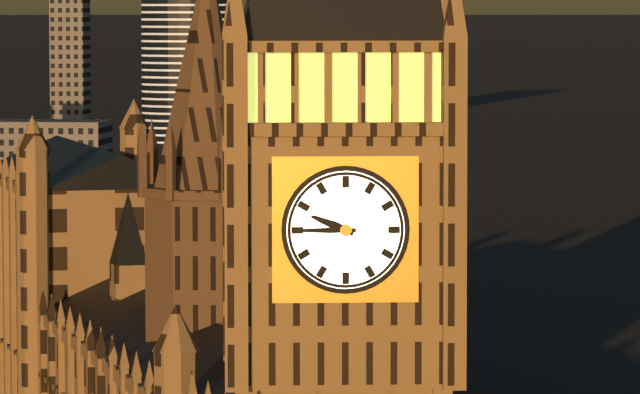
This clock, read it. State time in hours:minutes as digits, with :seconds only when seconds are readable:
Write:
9:45
